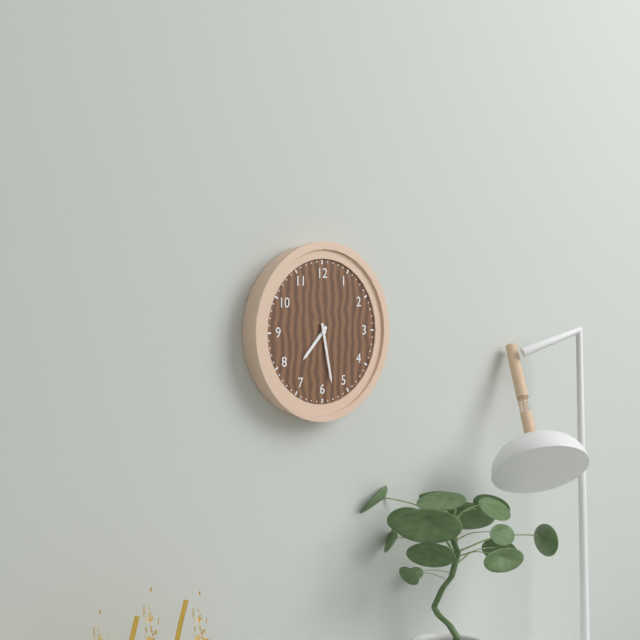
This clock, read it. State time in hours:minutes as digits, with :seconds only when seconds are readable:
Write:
7:28
